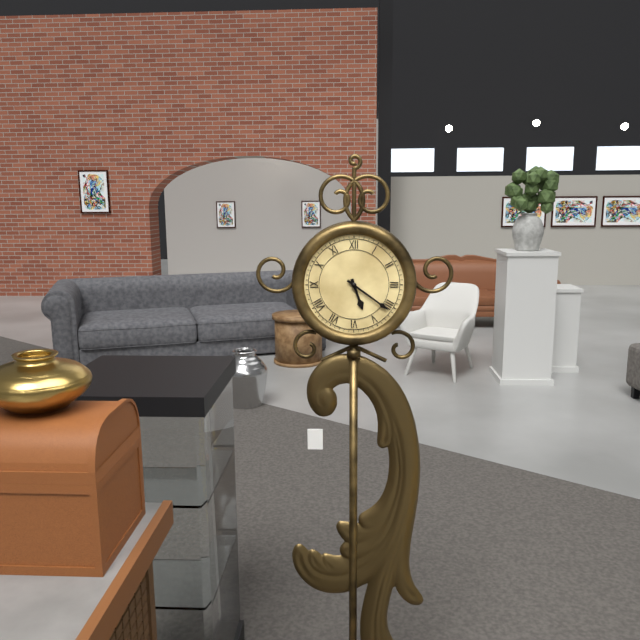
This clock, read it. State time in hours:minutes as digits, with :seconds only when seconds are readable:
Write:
5:21
